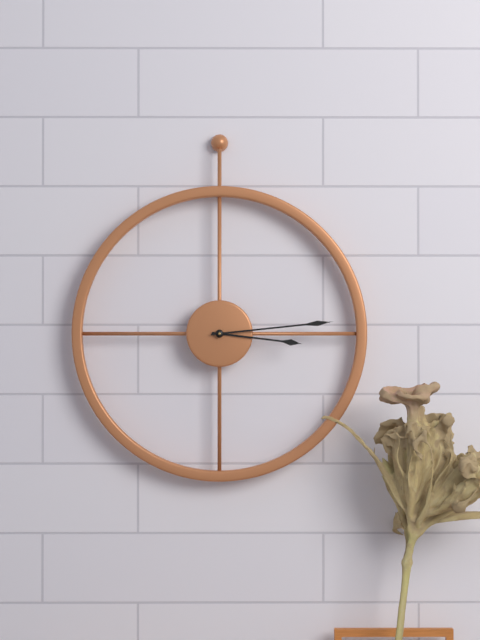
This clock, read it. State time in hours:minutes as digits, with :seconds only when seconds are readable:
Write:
3:14
